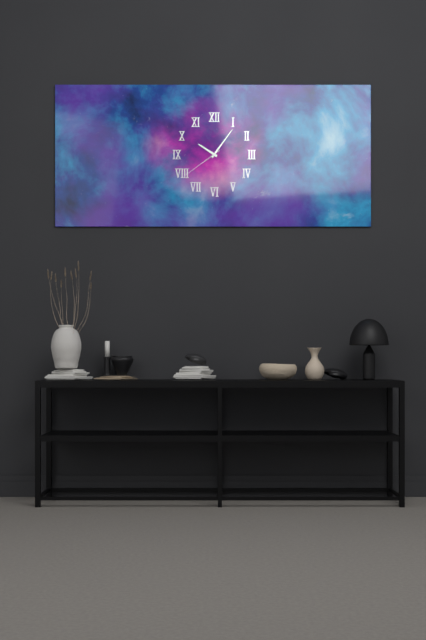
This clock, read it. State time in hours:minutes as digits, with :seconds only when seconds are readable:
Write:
10:06
